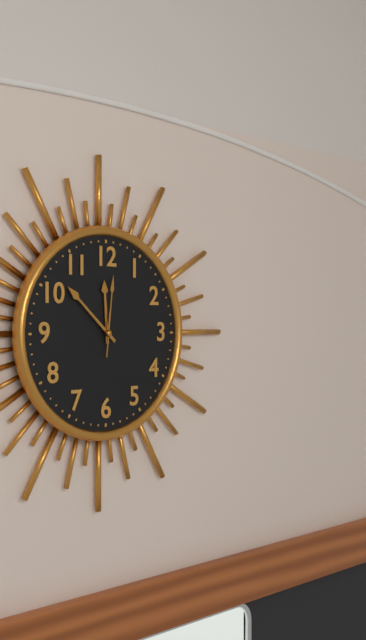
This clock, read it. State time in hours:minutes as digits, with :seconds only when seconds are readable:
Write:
11:52:01
